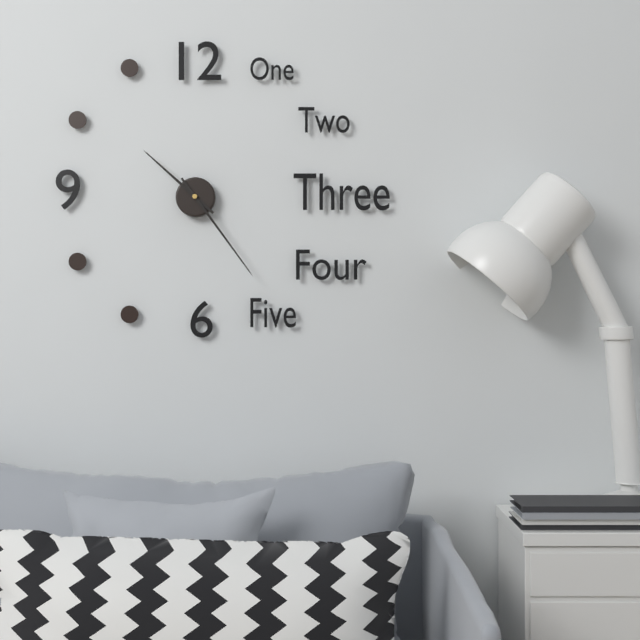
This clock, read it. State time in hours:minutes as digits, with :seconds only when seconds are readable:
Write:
10:24
